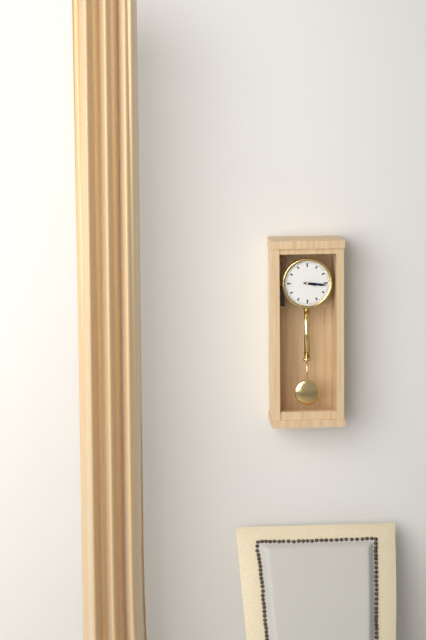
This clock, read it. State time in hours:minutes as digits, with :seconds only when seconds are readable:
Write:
3:16
